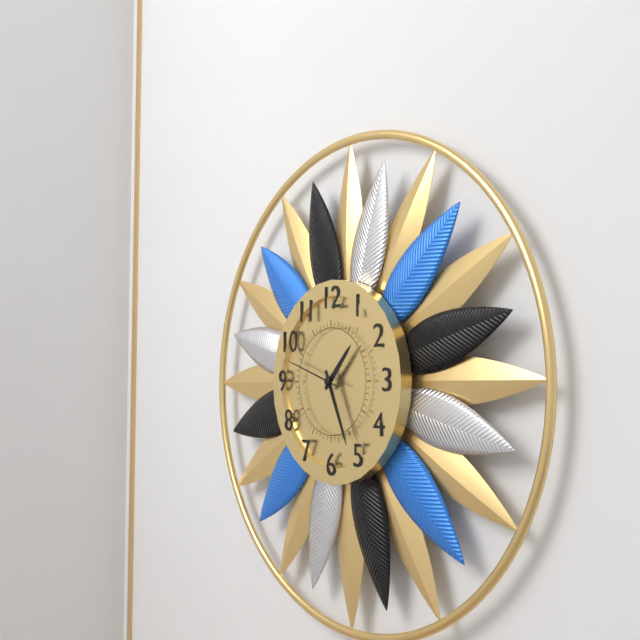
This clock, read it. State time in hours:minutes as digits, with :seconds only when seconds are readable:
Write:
1:26:48
